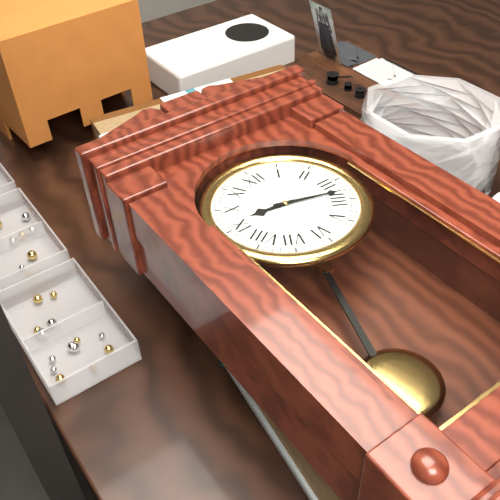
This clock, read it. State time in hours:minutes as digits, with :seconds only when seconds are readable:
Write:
9:18
